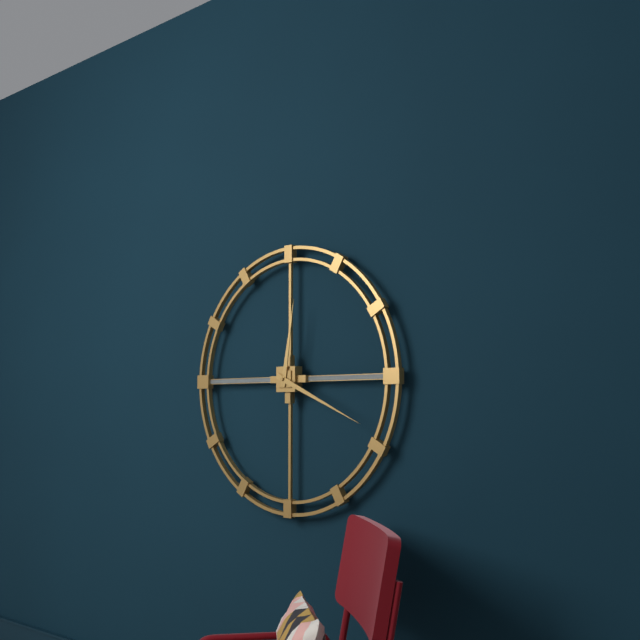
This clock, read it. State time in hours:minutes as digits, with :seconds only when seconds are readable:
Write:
12:19
